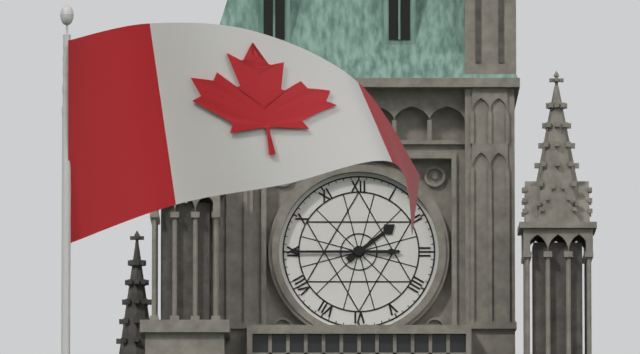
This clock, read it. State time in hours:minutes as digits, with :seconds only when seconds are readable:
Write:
1:45
